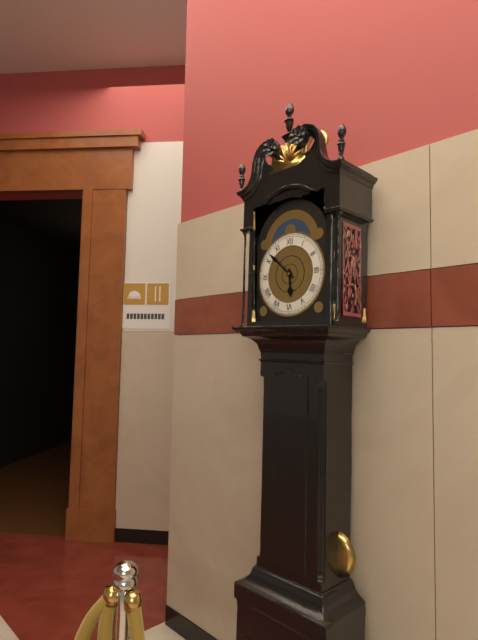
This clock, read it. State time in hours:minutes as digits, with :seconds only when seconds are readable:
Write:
5:52
